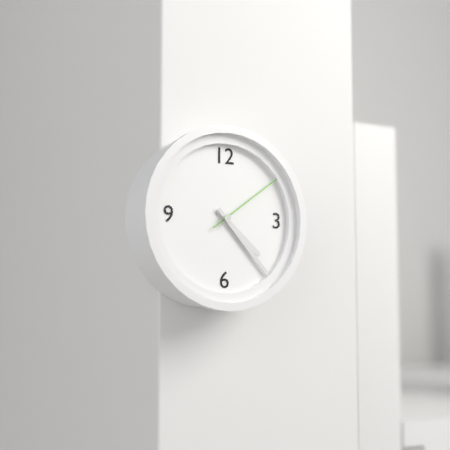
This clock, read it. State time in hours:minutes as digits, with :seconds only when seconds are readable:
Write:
4:23:09
